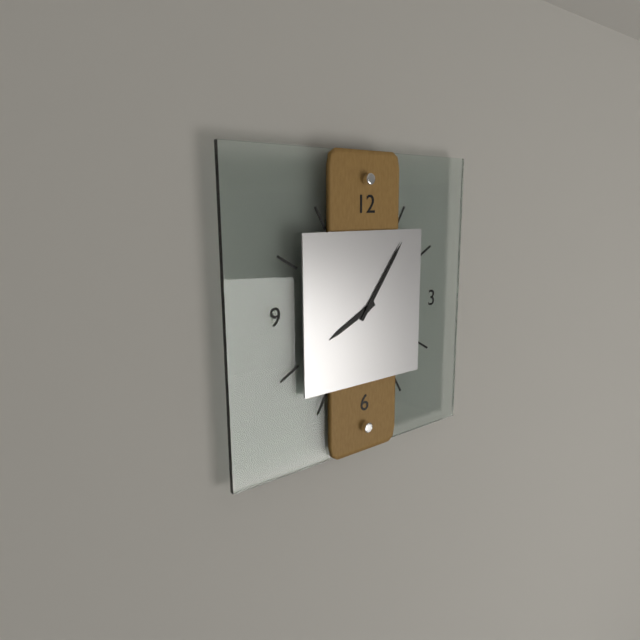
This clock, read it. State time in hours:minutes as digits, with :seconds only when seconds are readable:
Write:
8:06
